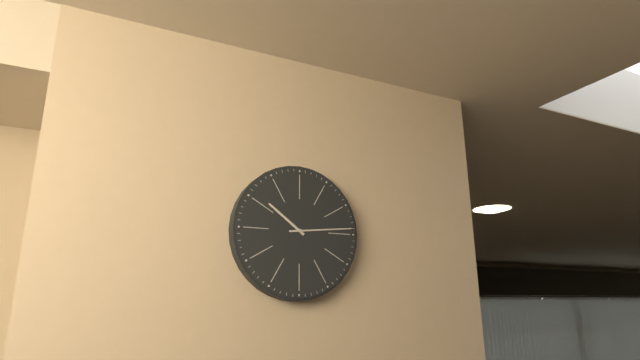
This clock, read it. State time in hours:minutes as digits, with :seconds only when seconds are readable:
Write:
10:14
